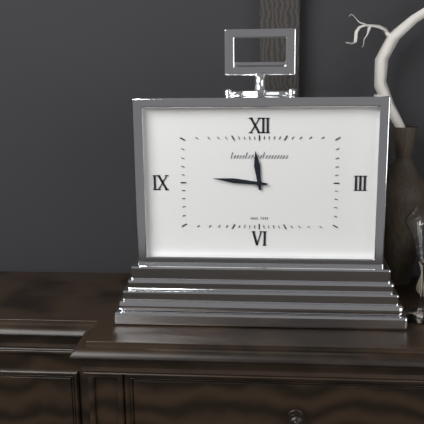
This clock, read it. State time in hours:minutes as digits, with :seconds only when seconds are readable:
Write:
11:46
